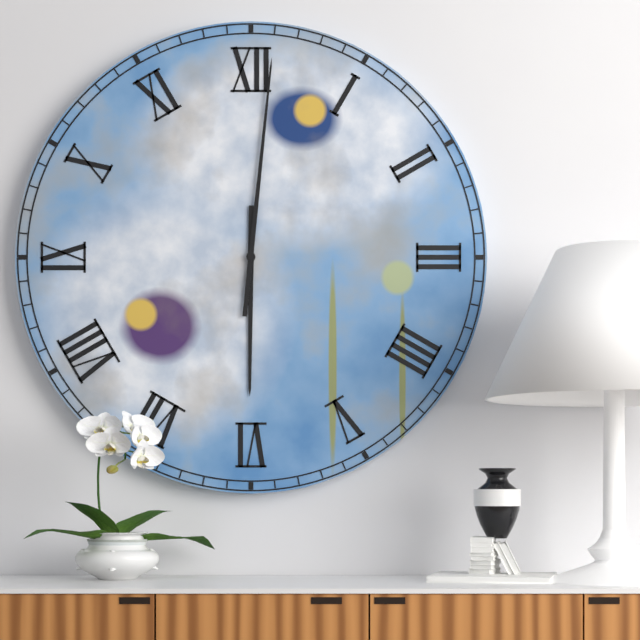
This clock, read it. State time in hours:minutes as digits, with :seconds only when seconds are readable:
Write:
6:01
